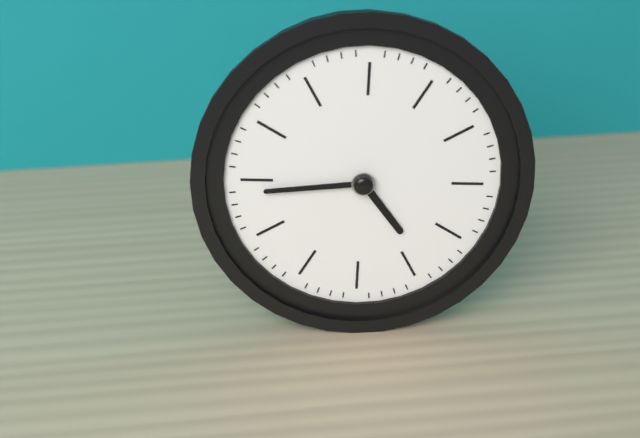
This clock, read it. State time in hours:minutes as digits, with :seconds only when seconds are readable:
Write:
4:44
